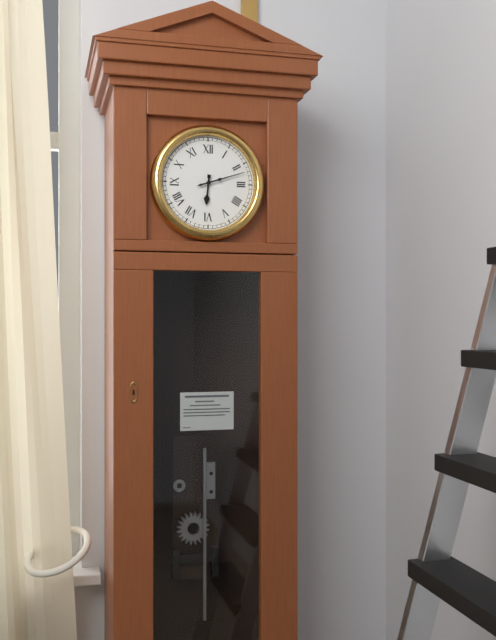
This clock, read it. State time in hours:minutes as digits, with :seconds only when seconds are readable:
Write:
6:12
